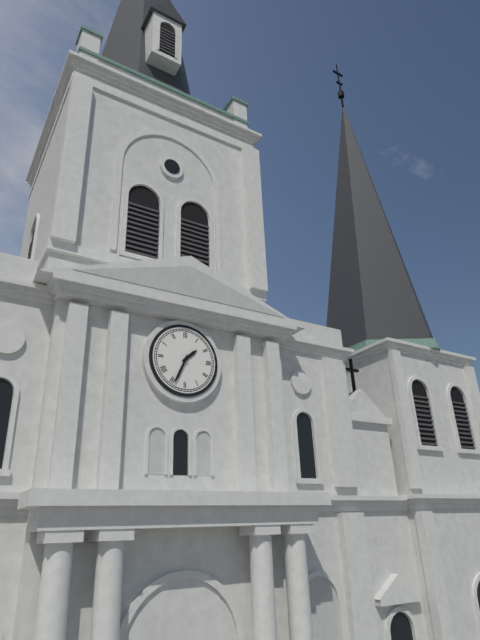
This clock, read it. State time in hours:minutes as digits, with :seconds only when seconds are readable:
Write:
1:34
